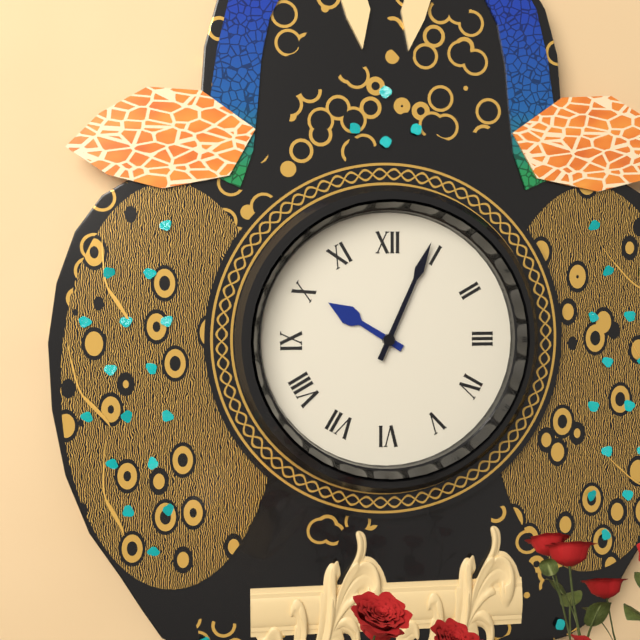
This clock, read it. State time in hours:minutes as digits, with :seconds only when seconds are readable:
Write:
10:04
